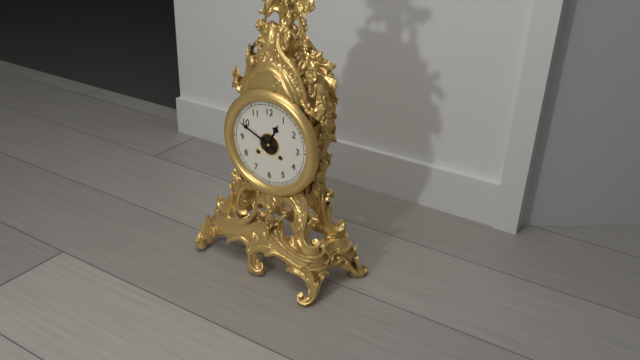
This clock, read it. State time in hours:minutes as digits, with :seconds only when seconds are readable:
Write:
12:49
